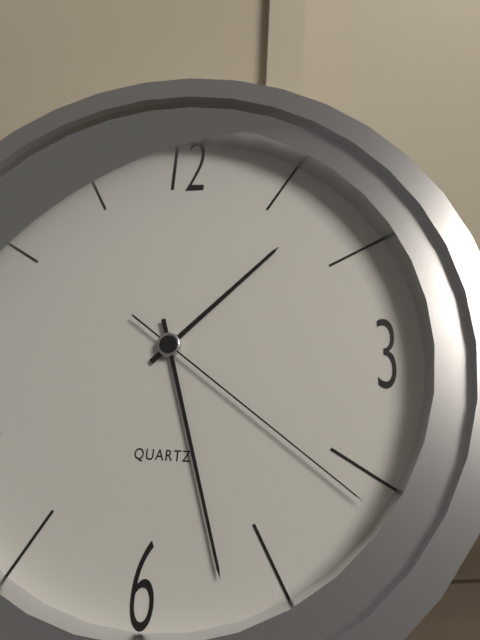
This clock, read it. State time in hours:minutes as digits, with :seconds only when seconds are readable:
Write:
1:27:21
